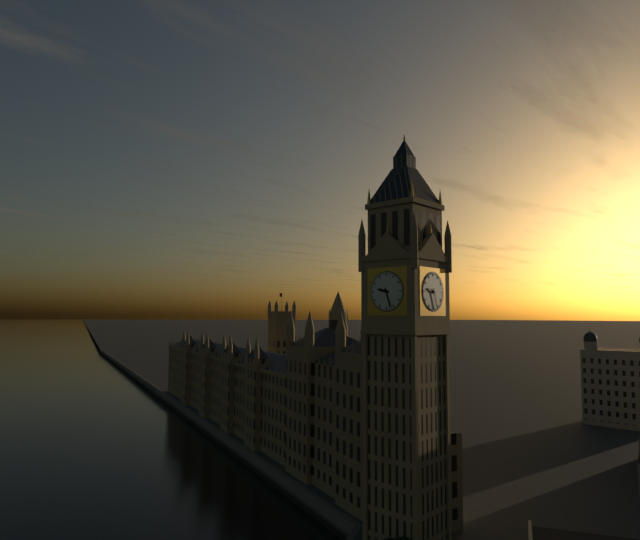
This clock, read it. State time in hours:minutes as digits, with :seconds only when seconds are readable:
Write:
9:27
